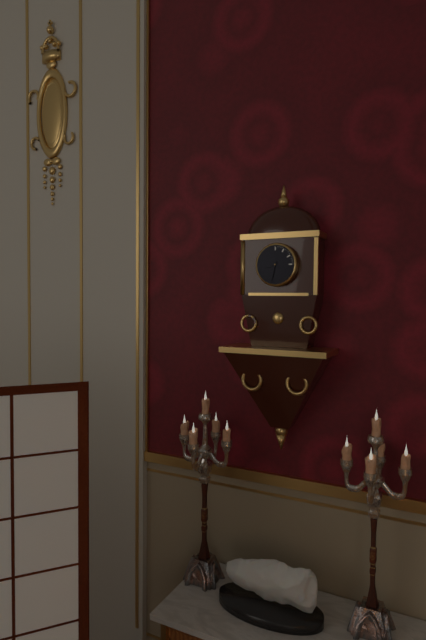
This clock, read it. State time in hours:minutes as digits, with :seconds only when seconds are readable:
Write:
8:32
